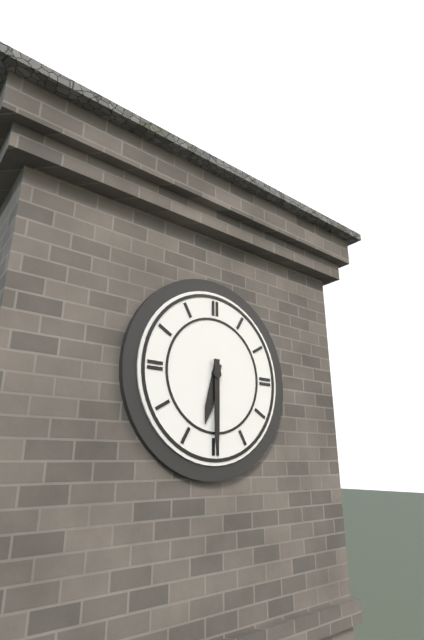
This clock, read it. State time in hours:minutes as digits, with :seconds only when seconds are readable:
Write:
6:30
